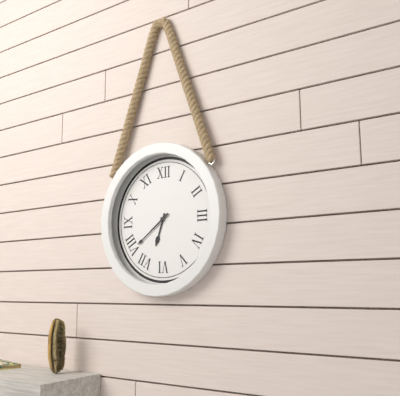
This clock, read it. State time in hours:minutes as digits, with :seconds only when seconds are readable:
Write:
6:39
